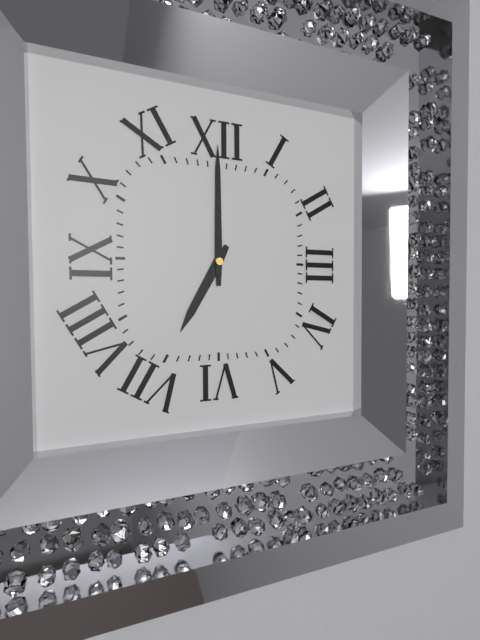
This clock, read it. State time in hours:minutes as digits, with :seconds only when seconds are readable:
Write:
7:00
